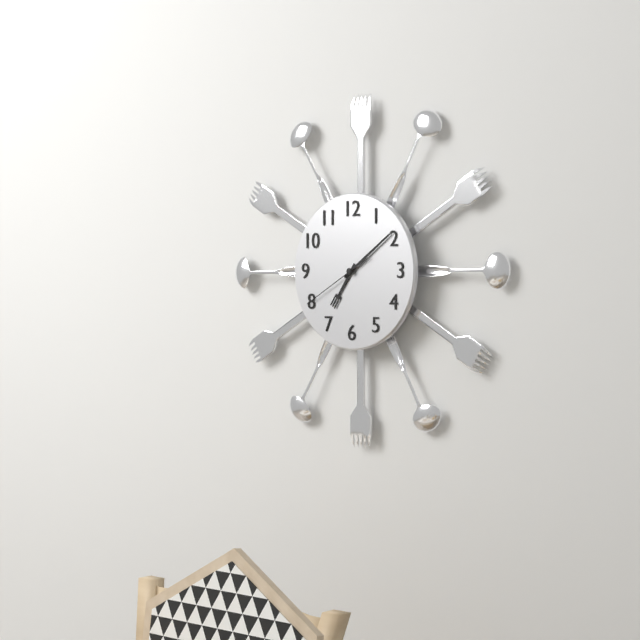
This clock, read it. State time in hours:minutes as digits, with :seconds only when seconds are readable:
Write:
7:09:40
